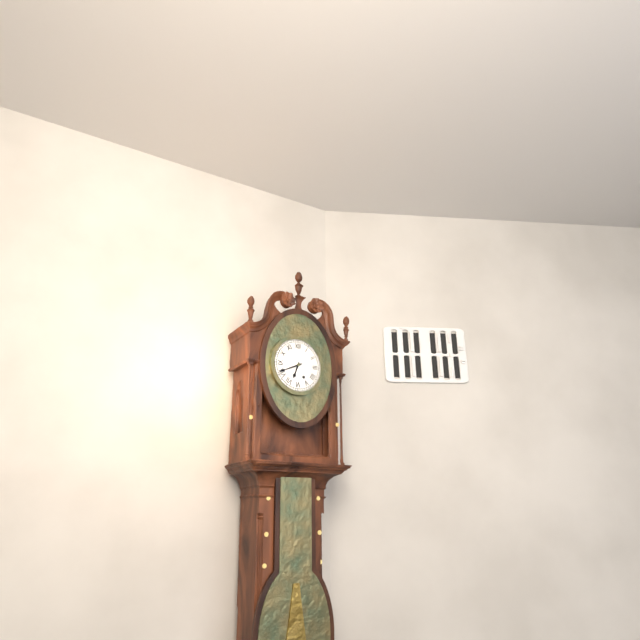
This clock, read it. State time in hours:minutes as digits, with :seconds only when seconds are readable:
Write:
6:41
